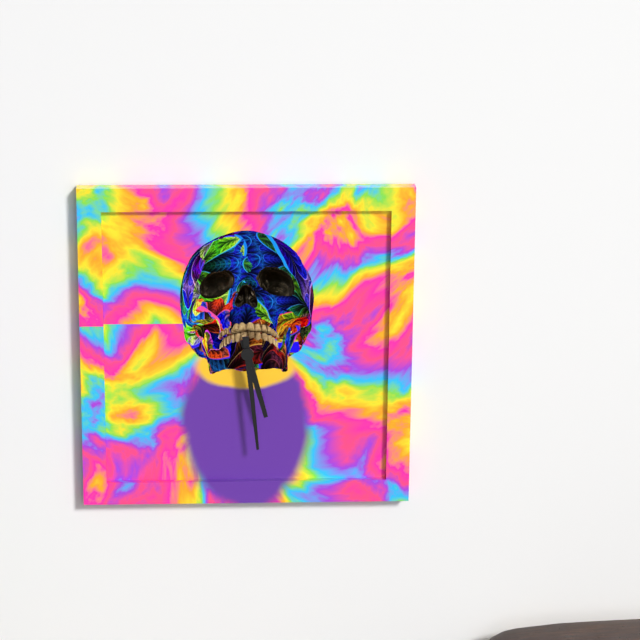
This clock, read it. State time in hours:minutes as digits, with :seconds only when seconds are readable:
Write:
5:29
